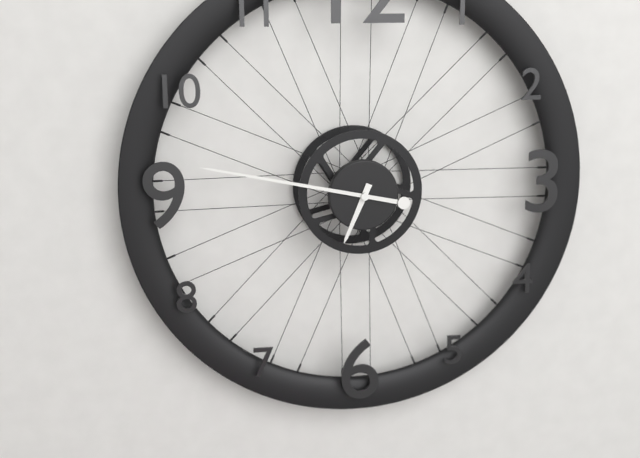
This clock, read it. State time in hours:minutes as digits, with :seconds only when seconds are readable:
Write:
6:47
